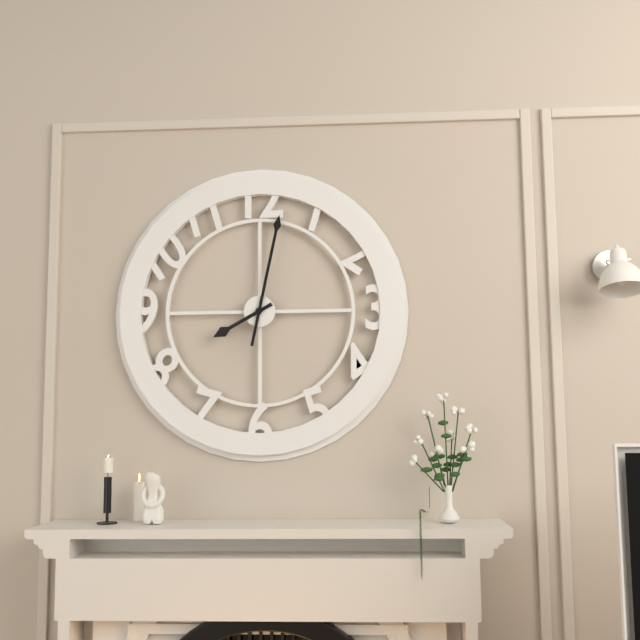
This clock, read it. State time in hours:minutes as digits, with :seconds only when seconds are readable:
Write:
8:02
